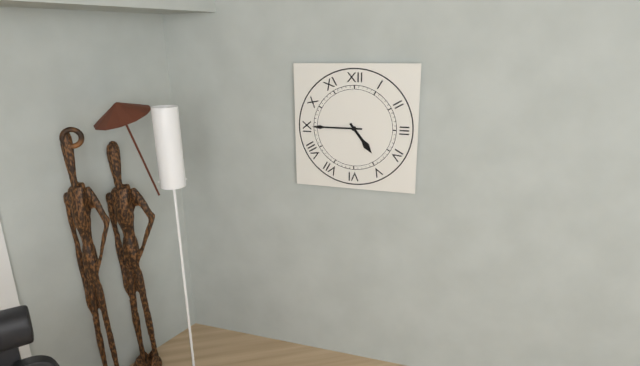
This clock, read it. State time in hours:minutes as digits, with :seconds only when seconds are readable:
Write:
4:45
